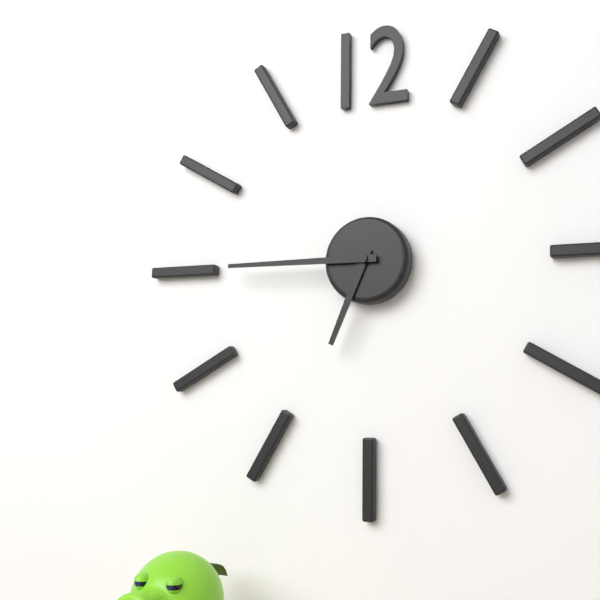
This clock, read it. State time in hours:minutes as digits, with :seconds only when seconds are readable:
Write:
6:45
